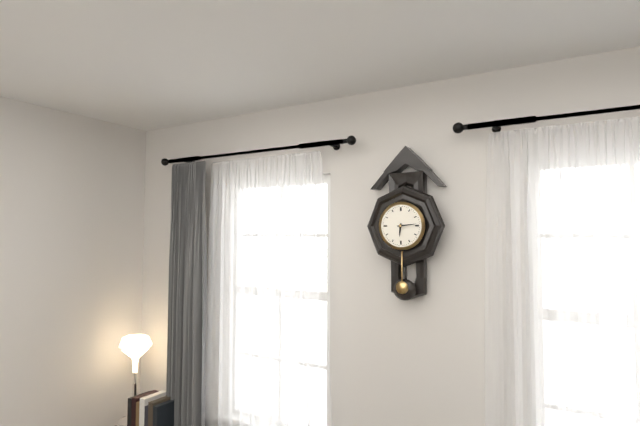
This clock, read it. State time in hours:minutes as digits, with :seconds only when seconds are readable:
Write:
6:14
